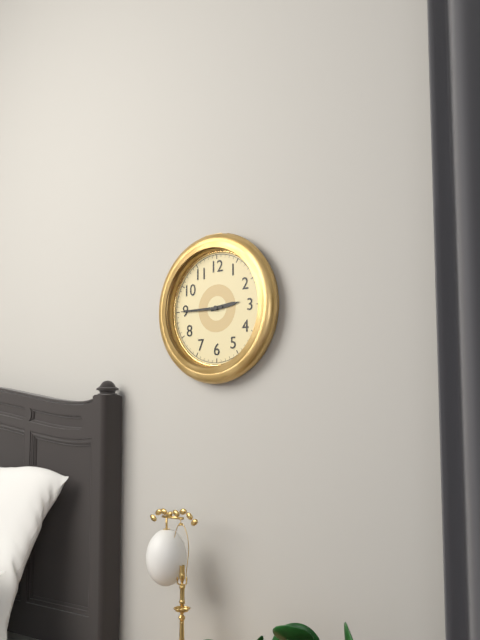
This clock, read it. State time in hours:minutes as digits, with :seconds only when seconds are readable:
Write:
2:45
